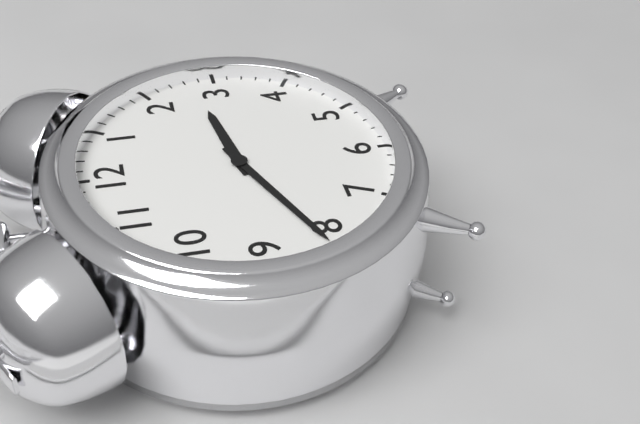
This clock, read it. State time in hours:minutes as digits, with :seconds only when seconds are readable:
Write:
2:41
